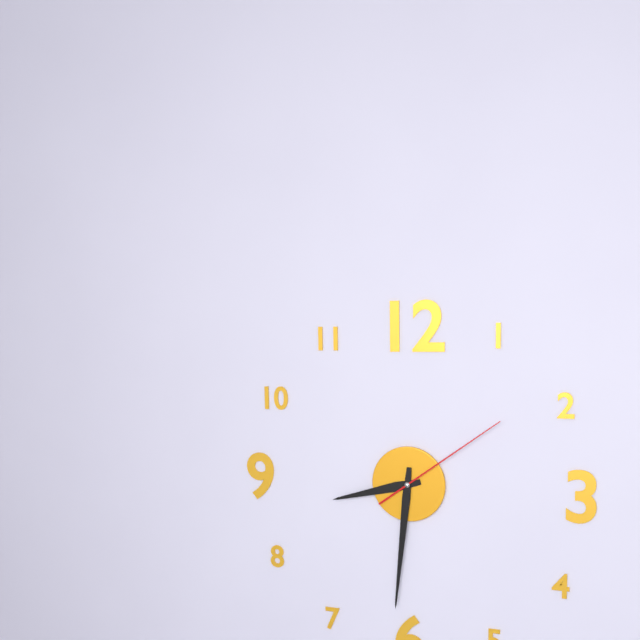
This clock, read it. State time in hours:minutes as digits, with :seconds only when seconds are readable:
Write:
8:31:09
